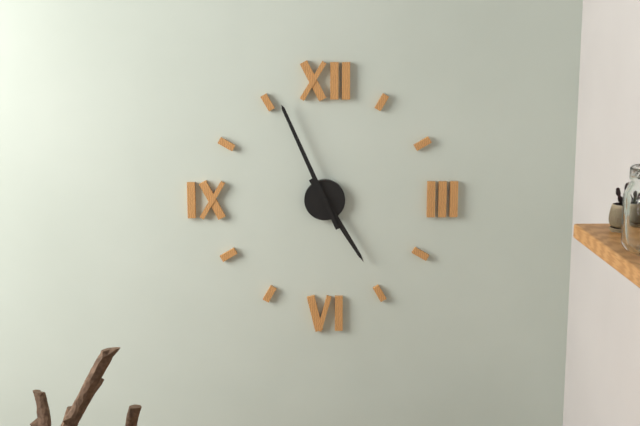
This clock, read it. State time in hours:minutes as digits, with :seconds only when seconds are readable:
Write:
4:56
